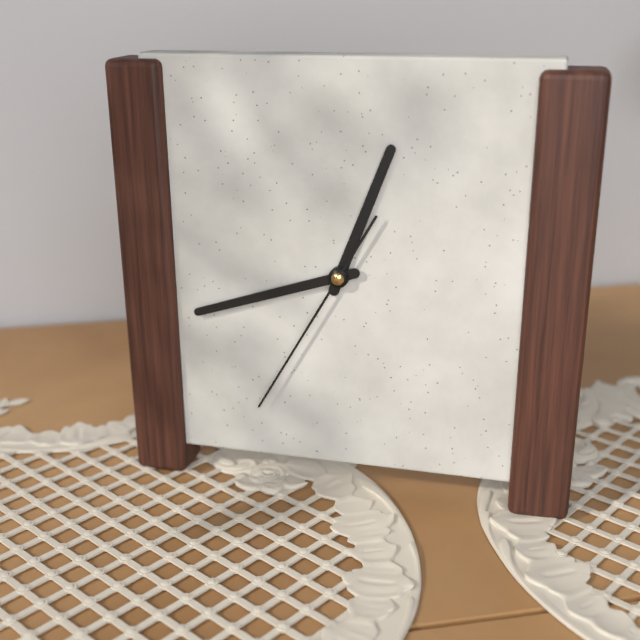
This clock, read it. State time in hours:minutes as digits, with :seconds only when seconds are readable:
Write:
12:42:35
